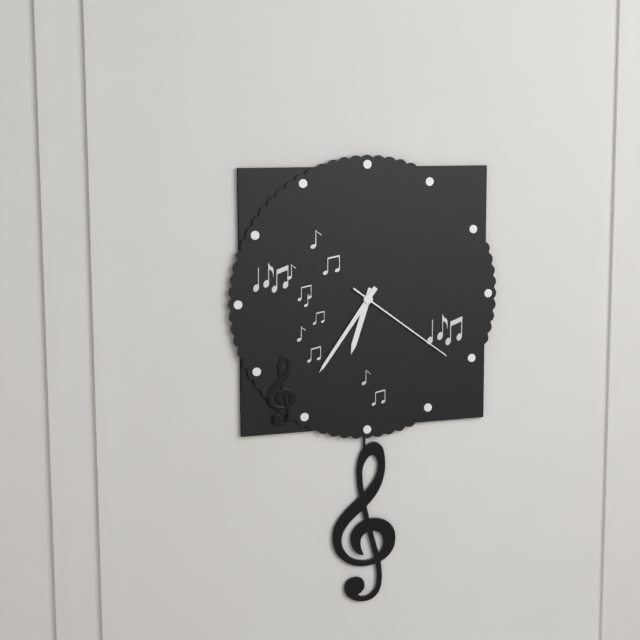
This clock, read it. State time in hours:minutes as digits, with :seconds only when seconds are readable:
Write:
6:36:21
